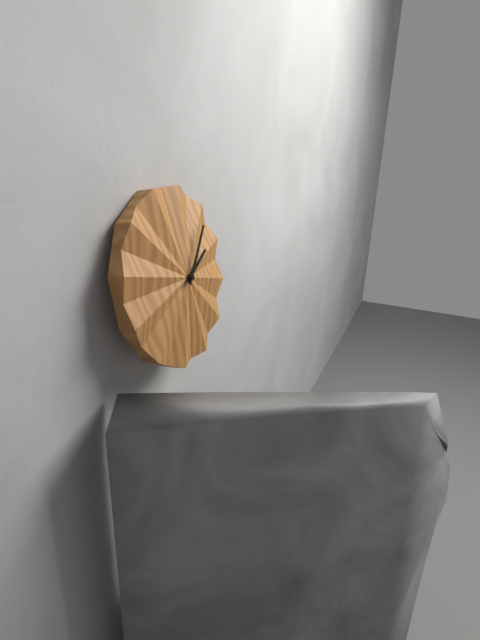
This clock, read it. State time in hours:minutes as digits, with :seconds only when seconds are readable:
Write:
2:07
